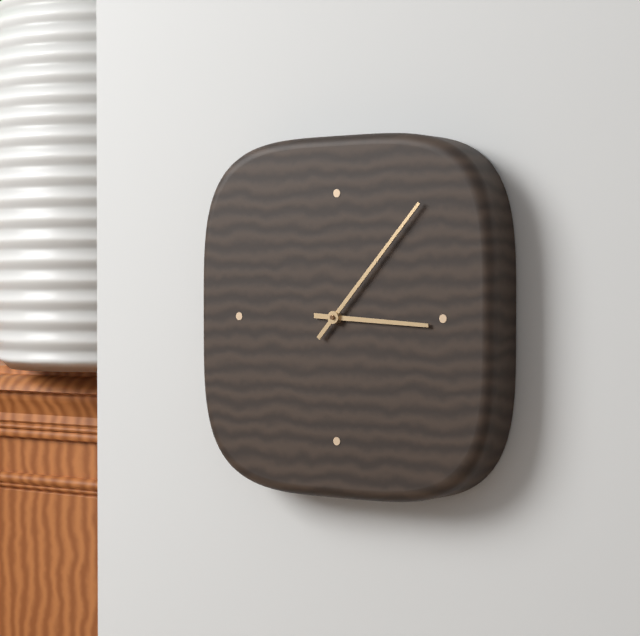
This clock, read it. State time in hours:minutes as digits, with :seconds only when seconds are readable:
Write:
3:07
